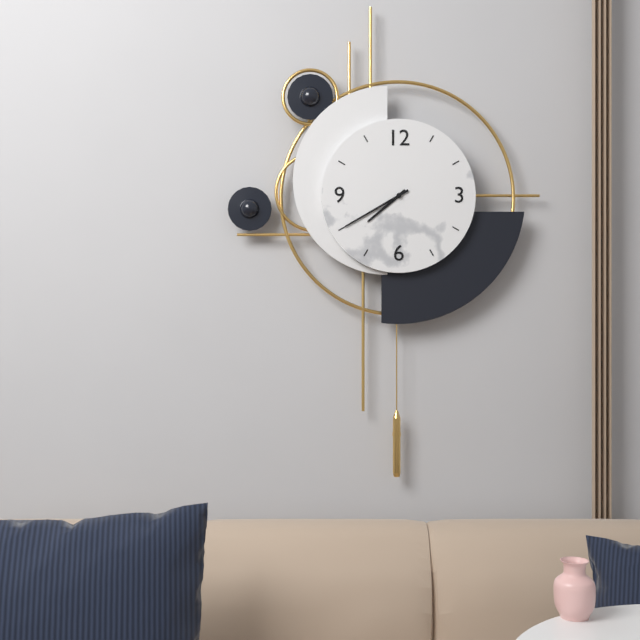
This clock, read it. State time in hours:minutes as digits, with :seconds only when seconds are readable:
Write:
7:40
